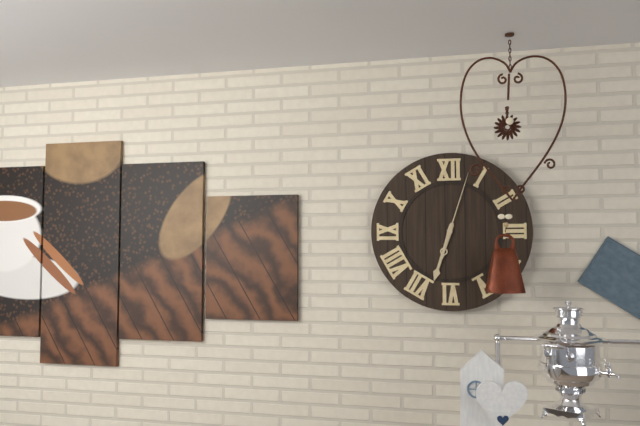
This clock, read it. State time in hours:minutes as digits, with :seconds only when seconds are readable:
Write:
6:33:03
